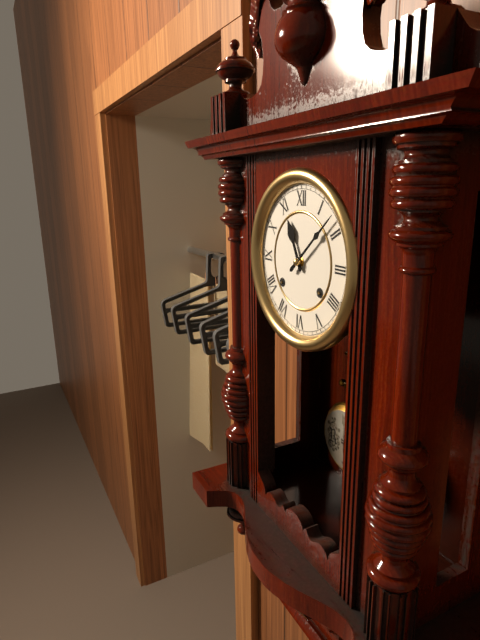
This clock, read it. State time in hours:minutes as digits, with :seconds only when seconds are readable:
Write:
11:08
